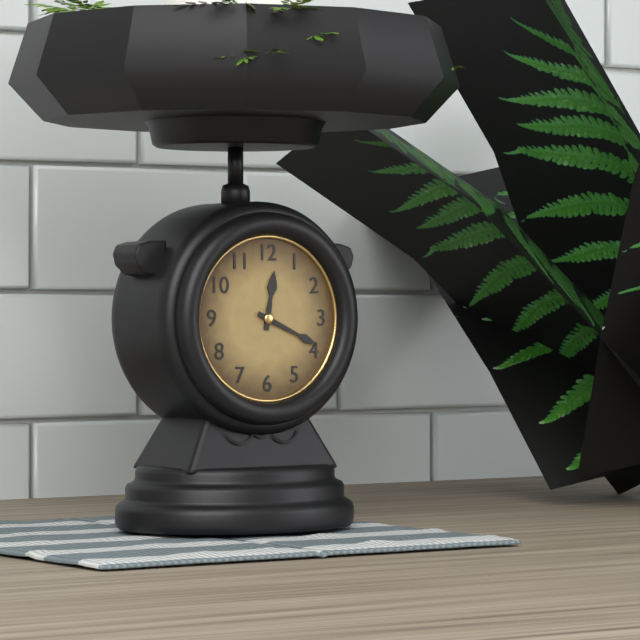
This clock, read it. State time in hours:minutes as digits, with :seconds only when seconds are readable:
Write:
12:19
